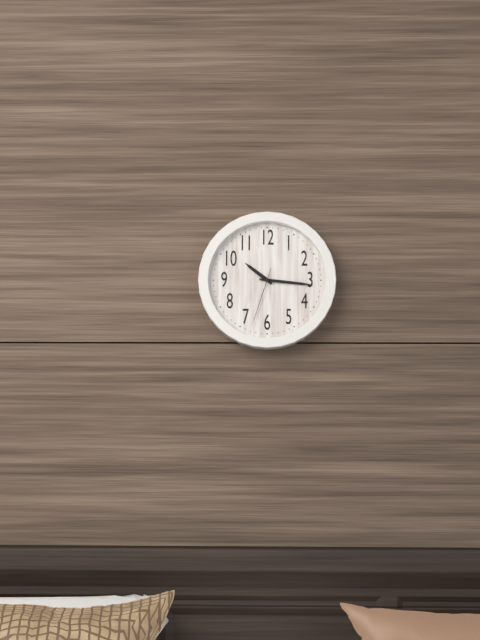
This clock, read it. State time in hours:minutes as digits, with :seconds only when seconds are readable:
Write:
10:16:33
